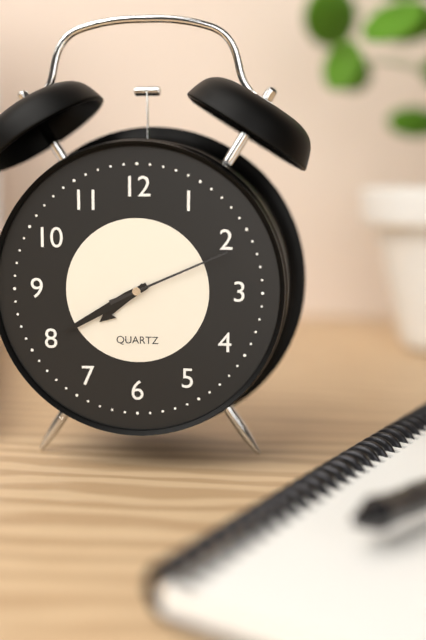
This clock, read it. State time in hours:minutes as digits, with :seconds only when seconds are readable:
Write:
7:40:11
